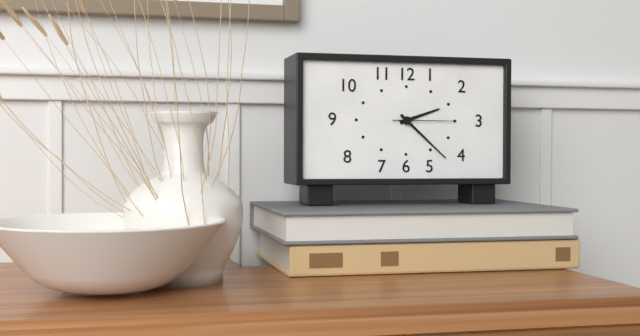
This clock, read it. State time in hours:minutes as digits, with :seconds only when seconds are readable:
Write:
2:22:15
